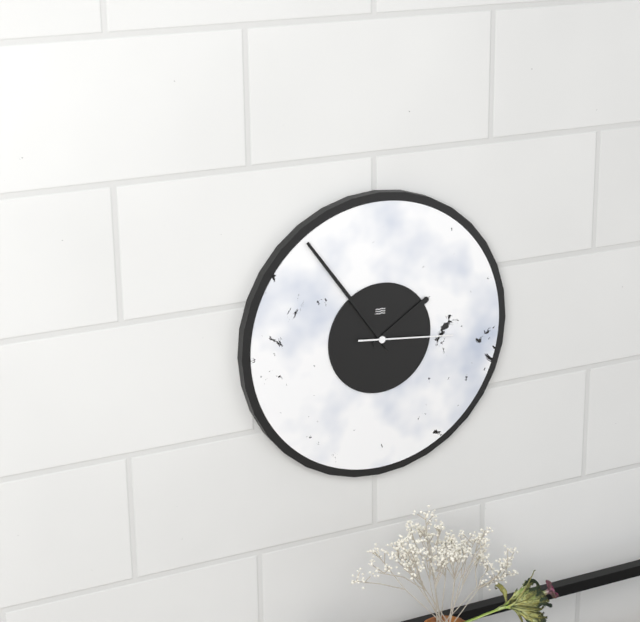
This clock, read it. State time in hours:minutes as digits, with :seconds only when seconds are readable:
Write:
1:54:16
